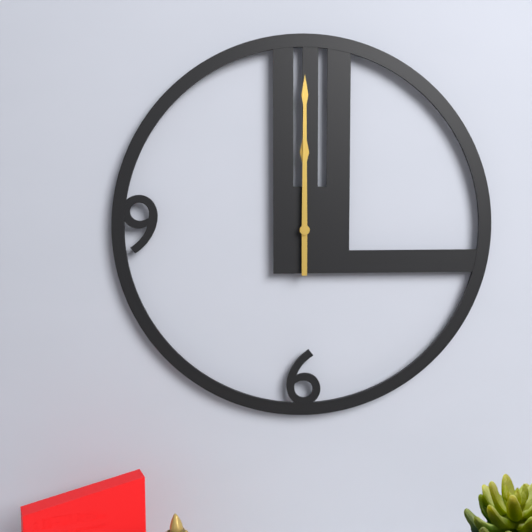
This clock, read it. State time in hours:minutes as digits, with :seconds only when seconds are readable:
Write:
12:00
